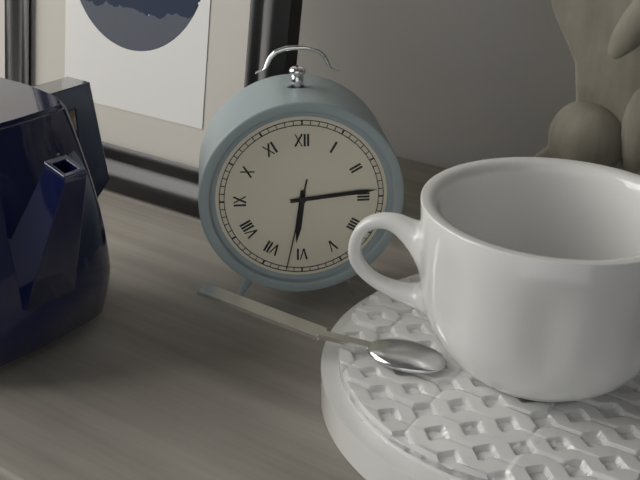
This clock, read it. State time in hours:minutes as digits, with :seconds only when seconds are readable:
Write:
6:14:32
